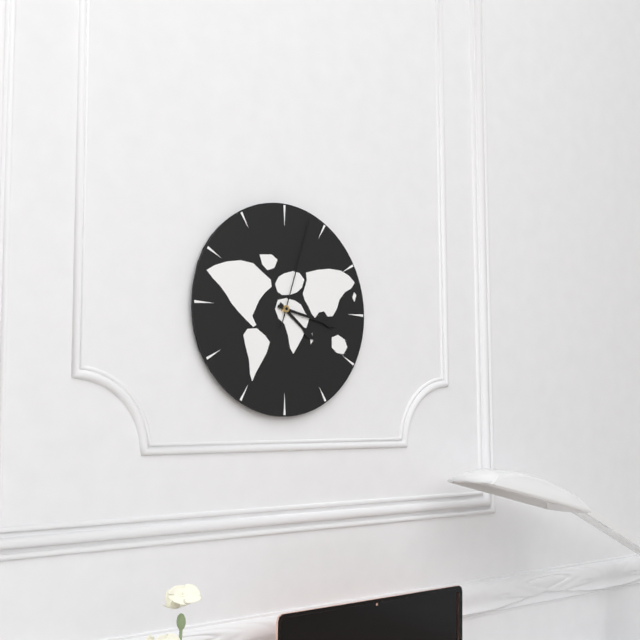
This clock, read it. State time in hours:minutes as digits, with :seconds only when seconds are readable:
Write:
4:17:03
